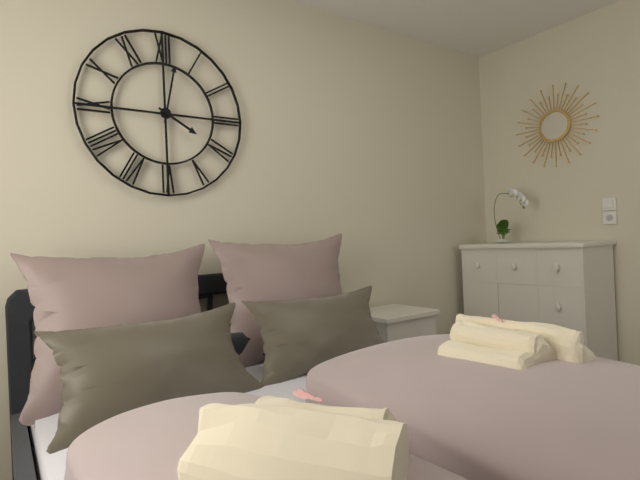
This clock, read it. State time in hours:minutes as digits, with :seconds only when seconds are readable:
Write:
4:02
